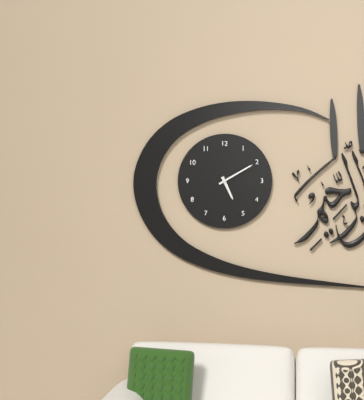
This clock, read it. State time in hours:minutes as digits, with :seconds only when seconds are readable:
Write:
5:10
